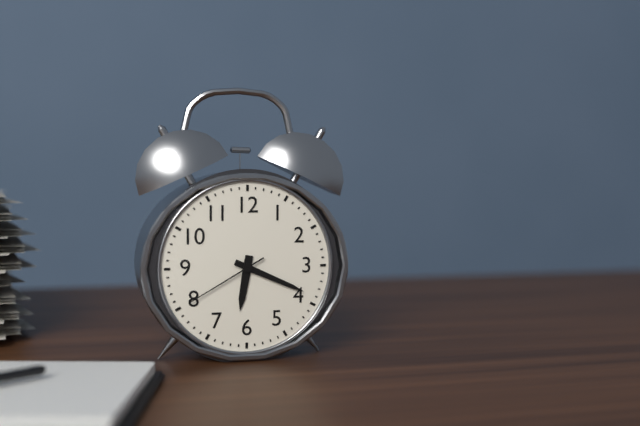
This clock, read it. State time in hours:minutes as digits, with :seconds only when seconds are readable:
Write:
6:19:40
